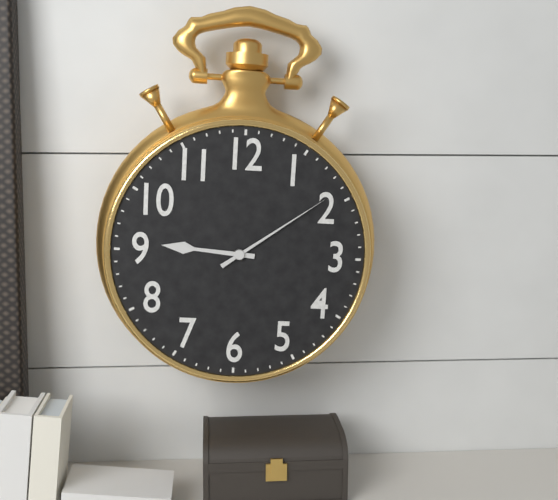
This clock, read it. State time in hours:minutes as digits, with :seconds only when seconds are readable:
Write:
9:09
